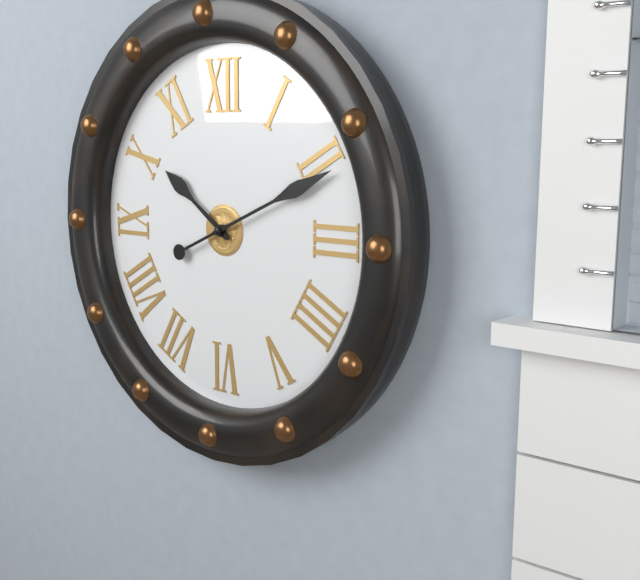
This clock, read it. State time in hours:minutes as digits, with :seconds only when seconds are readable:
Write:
10:11
